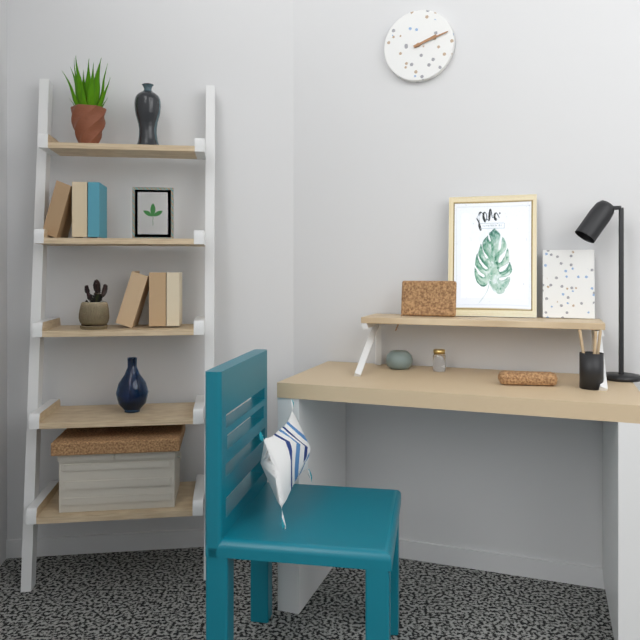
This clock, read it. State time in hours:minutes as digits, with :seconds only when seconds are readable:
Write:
2:12
